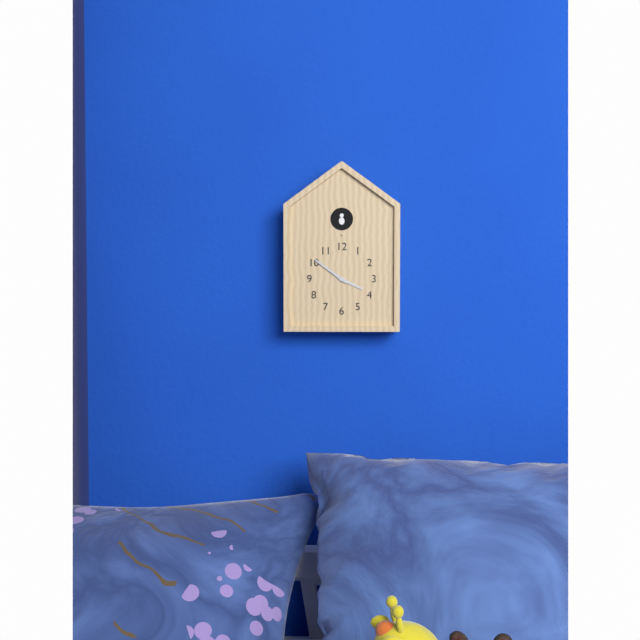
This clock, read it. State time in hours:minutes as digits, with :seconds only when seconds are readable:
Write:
3:51
